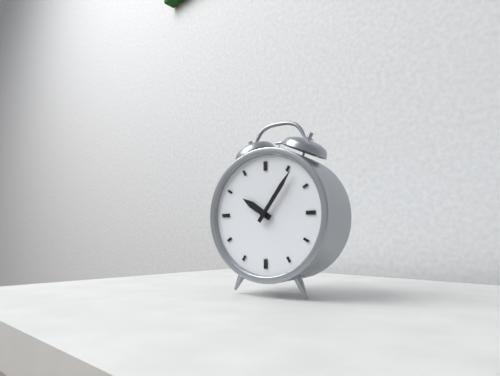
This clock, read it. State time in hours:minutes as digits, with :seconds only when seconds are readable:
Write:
10:06
